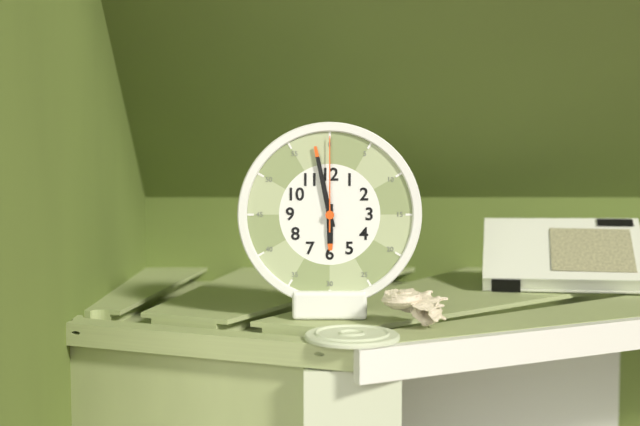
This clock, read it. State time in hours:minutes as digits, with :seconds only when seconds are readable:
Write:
5:58:00
